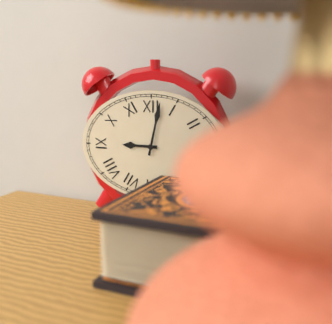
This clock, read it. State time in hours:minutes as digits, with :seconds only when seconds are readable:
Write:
9:02
